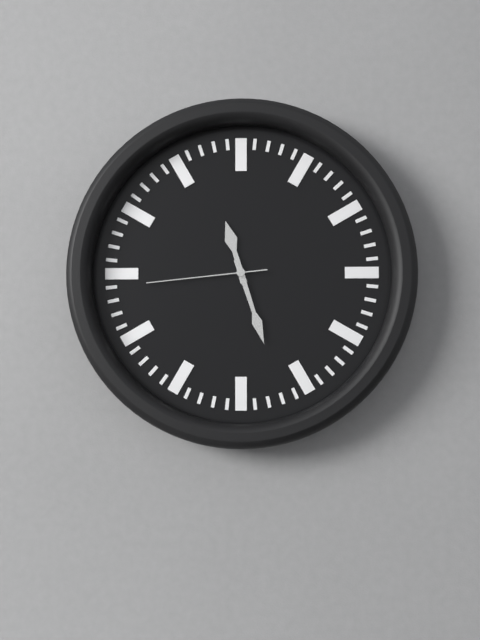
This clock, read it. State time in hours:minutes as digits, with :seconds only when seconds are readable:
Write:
11:27:44
